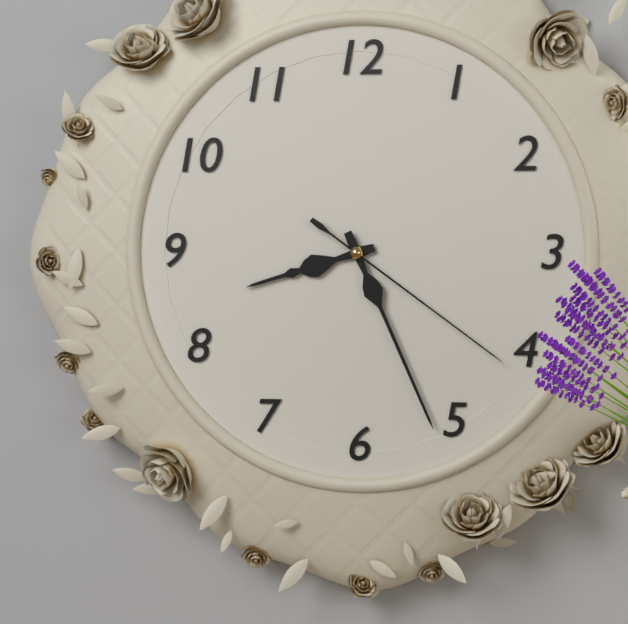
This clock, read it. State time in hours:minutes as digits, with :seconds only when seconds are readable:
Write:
8:26:21
